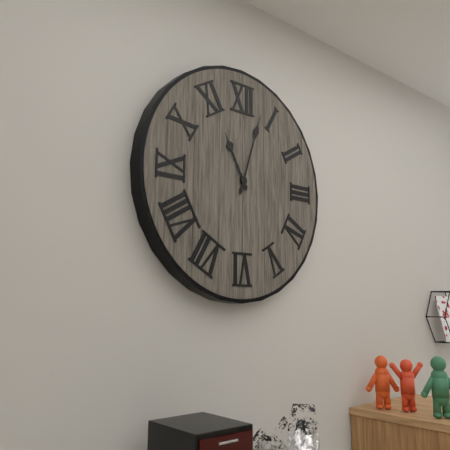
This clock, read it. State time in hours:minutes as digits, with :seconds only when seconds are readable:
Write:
11:03
